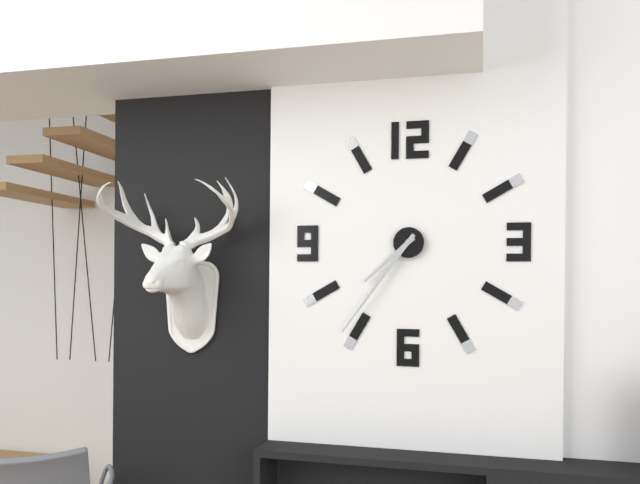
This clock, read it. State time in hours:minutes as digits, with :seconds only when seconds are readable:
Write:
7:36
